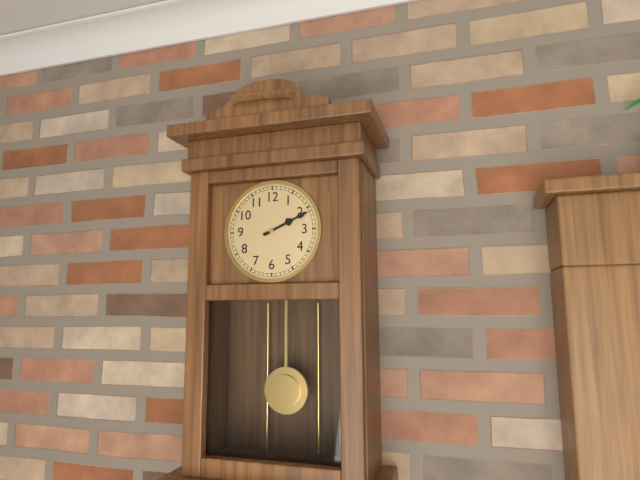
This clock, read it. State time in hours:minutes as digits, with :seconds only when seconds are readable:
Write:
2:11
